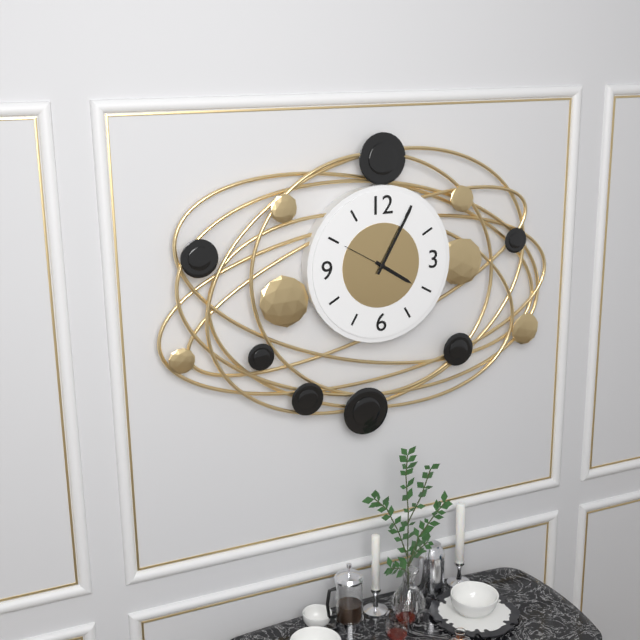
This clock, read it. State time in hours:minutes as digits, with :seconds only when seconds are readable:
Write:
4:05:50
